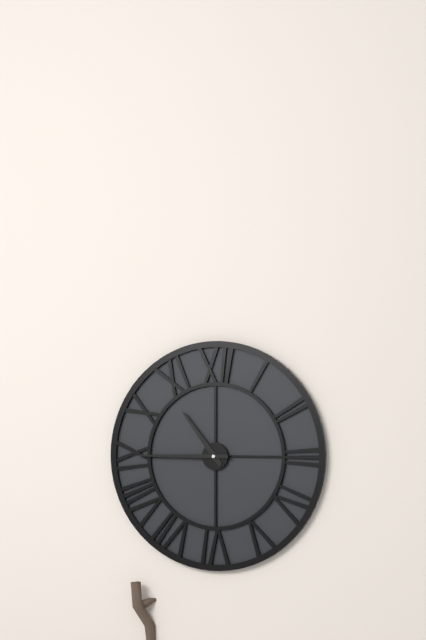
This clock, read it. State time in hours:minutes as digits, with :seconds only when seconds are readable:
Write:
10:45
